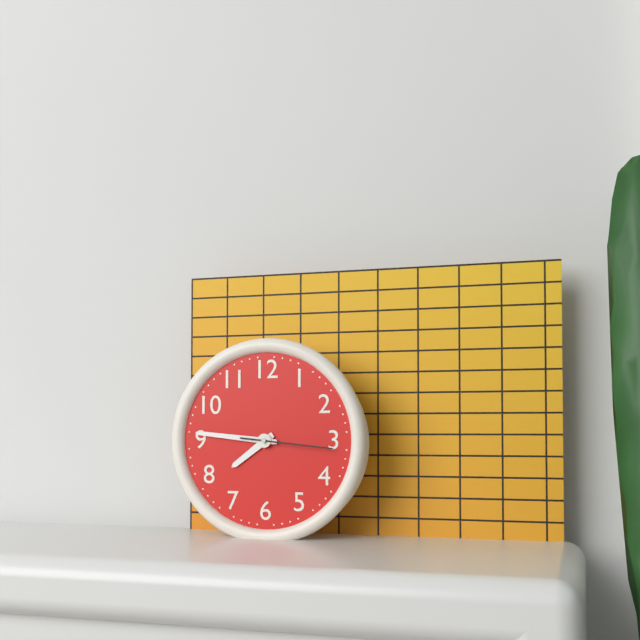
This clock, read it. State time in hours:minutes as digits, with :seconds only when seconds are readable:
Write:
7:46:16
